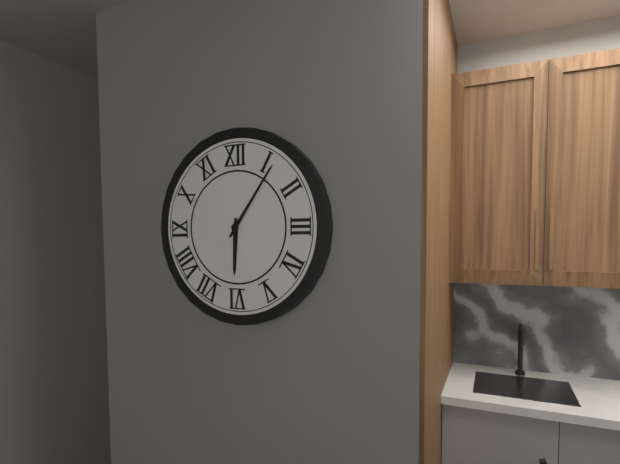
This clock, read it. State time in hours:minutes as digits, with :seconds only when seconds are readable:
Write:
6:06
